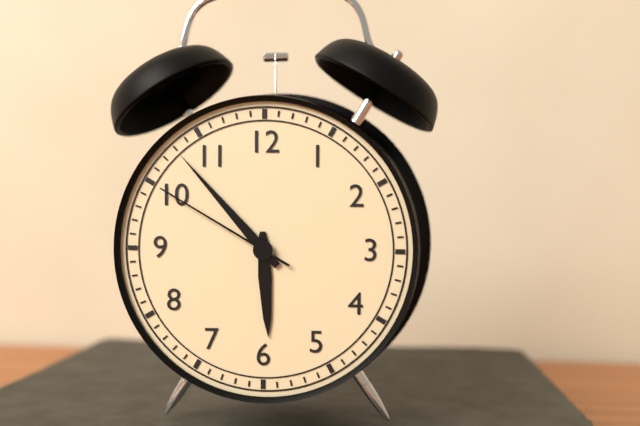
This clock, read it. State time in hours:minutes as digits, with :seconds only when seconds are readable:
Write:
5:53:50
